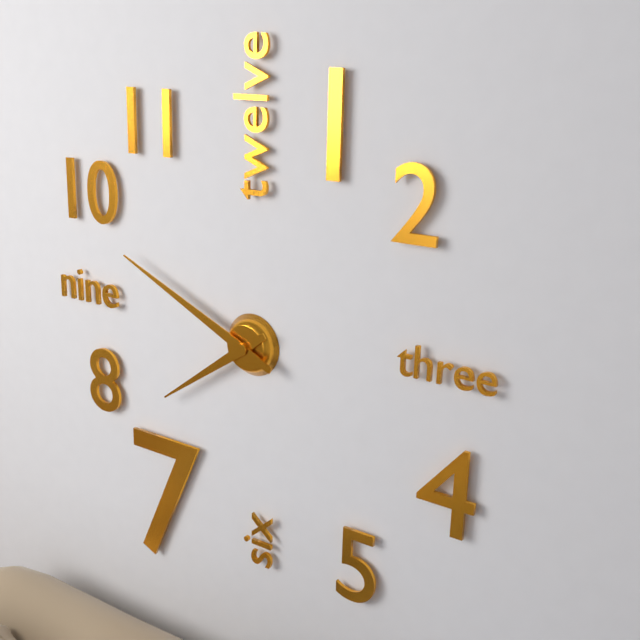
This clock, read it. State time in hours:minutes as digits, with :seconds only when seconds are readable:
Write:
7:49
